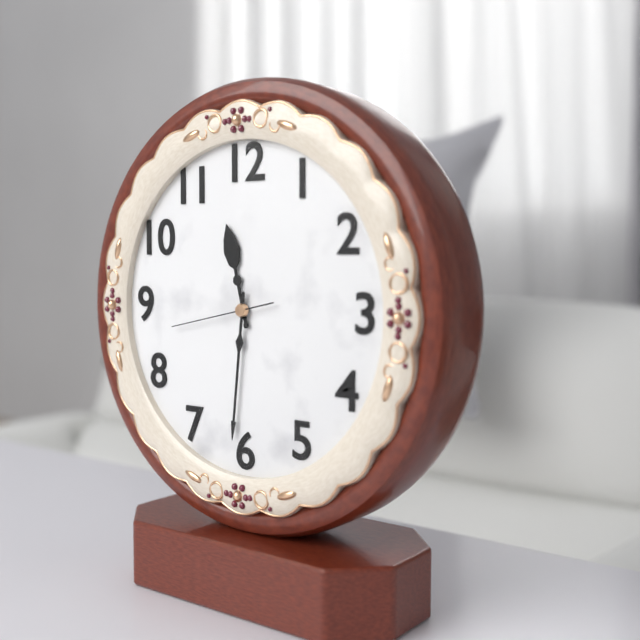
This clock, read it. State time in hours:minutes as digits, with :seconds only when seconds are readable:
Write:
11:31:43
